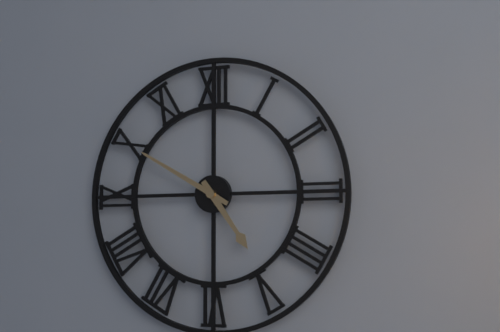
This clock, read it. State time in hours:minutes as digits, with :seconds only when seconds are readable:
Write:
4:50
